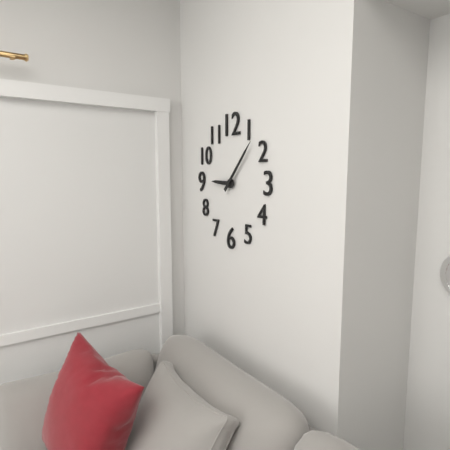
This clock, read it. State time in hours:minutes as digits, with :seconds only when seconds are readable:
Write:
9:07
